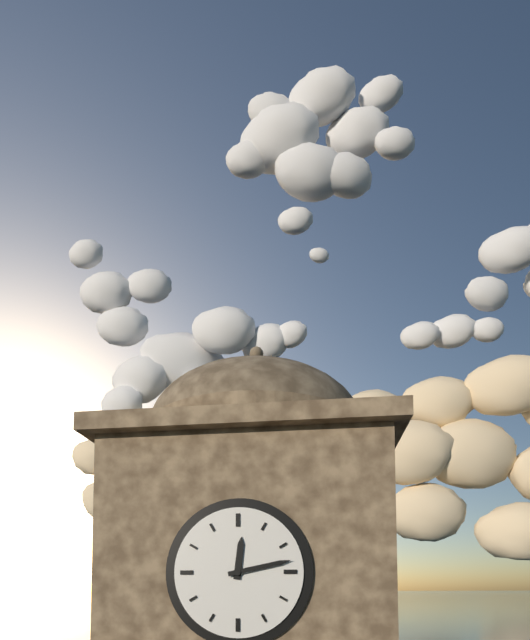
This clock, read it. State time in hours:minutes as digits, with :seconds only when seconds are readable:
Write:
12:13
